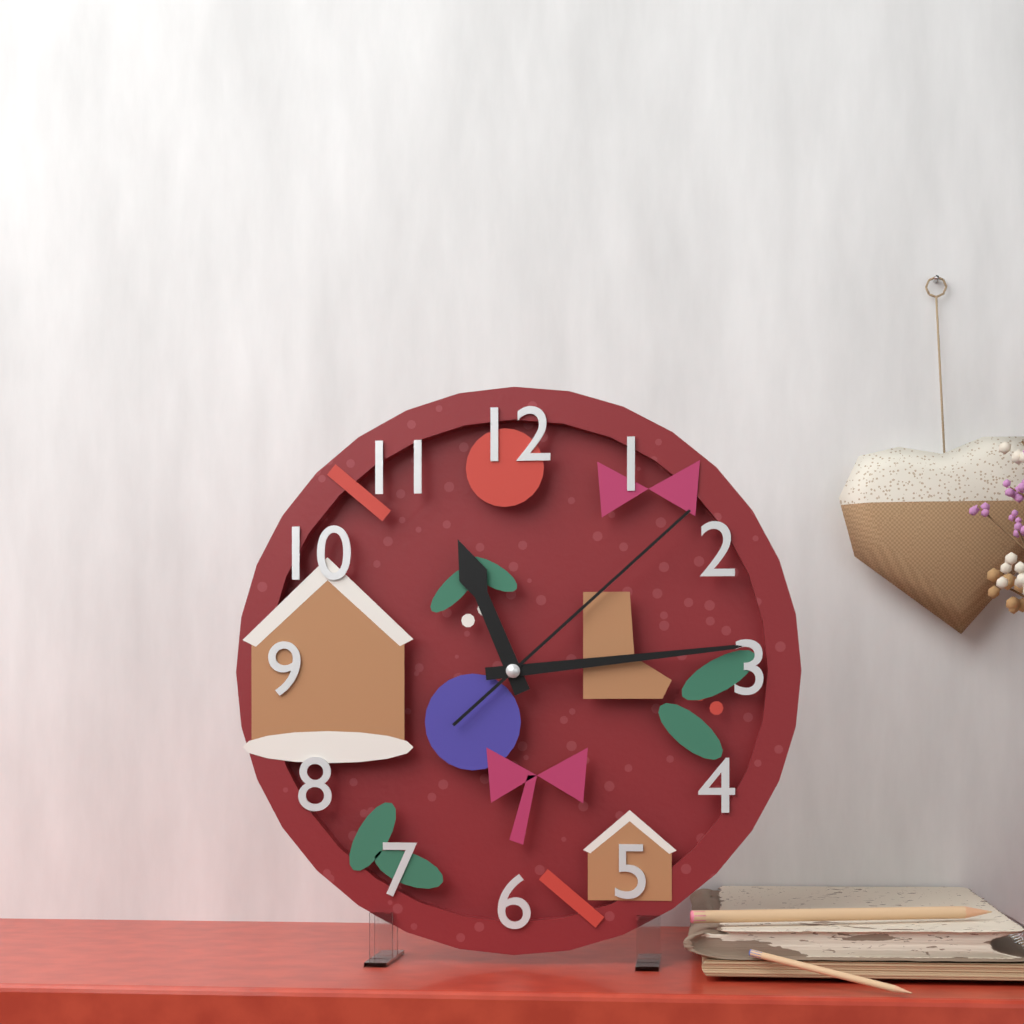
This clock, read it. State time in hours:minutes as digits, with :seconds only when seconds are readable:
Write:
11:14:08
